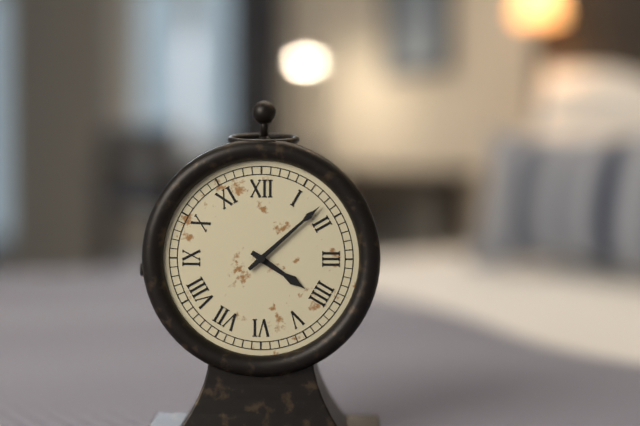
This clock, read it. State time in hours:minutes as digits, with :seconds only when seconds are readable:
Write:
4:08
